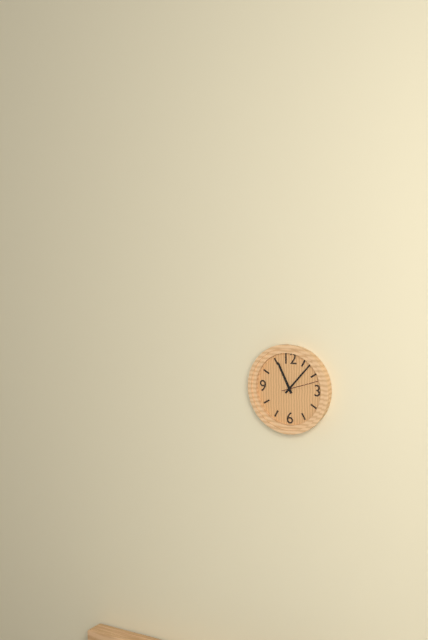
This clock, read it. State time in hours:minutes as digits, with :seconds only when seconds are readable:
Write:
11:07
